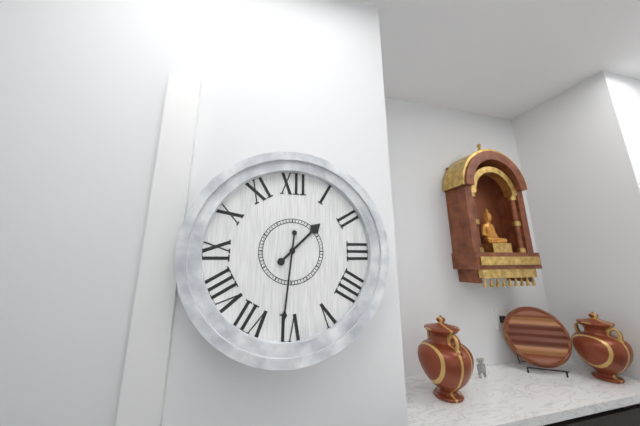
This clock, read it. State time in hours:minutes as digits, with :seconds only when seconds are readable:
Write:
1:31
